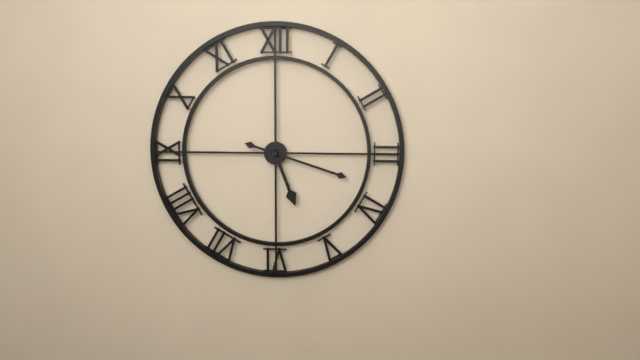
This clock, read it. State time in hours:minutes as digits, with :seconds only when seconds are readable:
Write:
5:18
